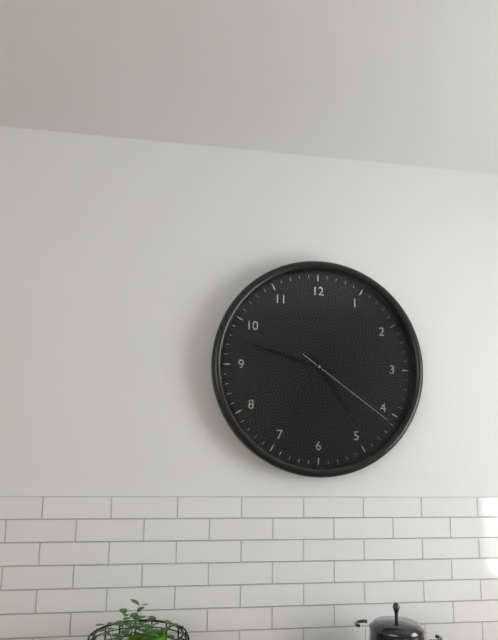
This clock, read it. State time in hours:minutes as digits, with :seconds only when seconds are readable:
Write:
4:48:21
